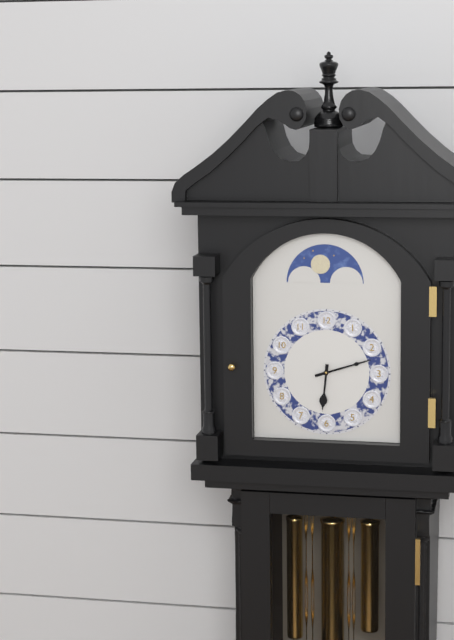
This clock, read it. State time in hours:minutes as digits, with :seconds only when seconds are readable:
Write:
6:12
